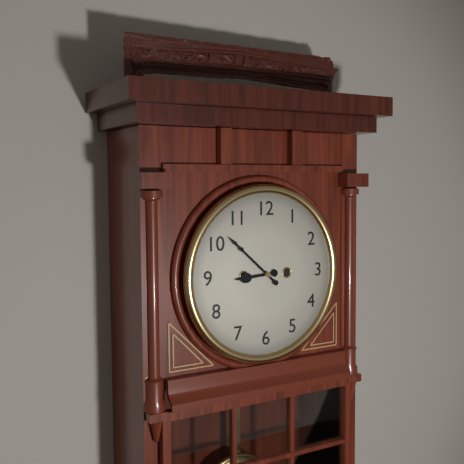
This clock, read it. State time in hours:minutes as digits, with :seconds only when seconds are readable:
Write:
8:52
